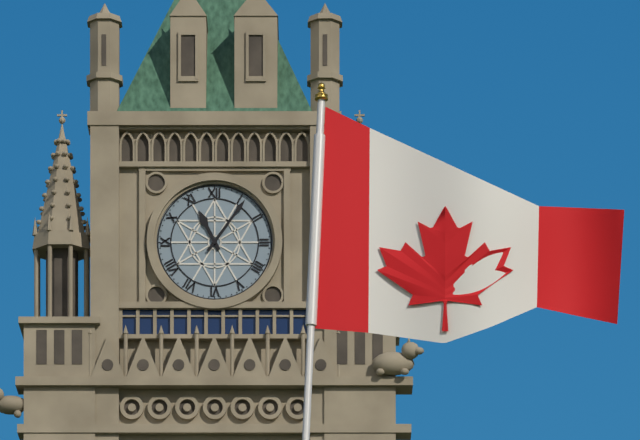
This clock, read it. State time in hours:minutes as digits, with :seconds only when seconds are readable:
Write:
11:06
